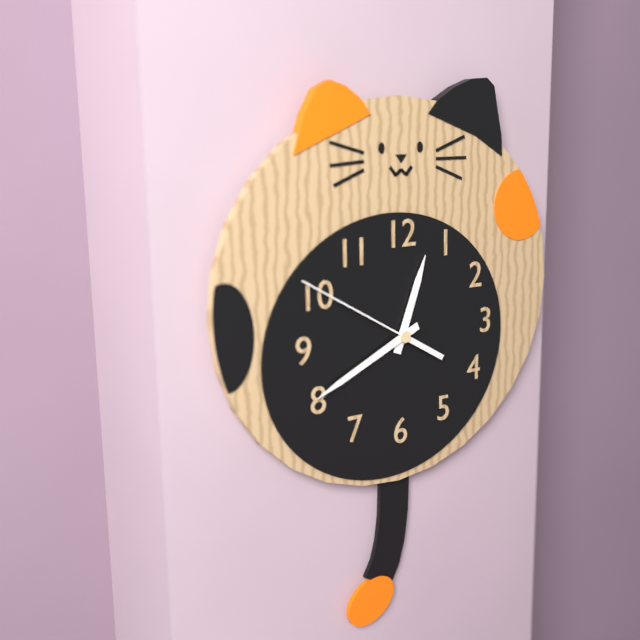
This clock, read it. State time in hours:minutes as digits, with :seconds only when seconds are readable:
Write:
12:41:50
